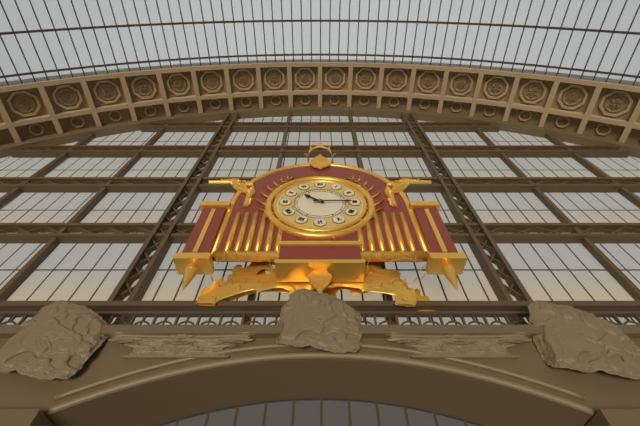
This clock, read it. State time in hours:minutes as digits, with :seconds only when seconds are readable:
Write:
10:15
